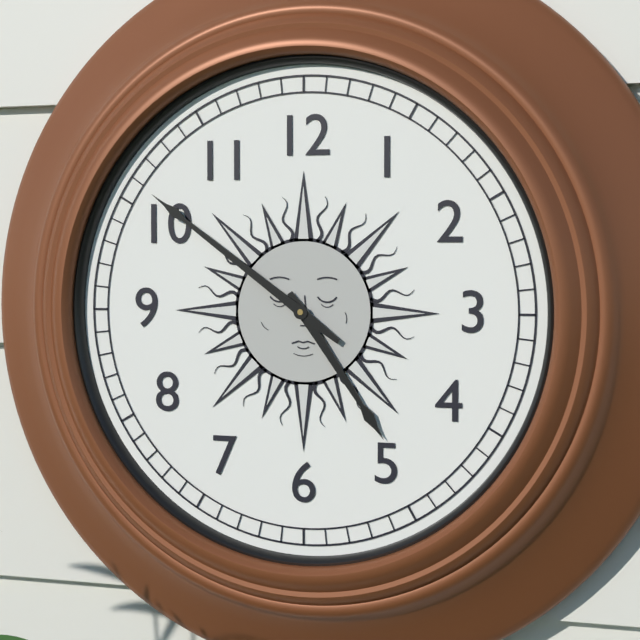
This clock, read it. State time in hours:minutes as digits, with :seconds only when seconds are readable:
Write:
4:51
